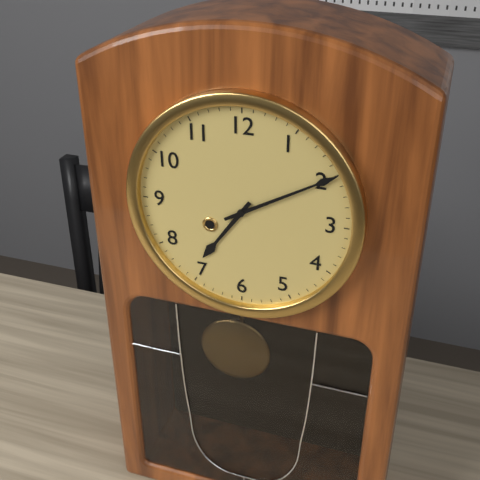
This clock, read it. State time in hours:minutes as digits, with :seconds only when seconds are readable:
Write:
7:10
